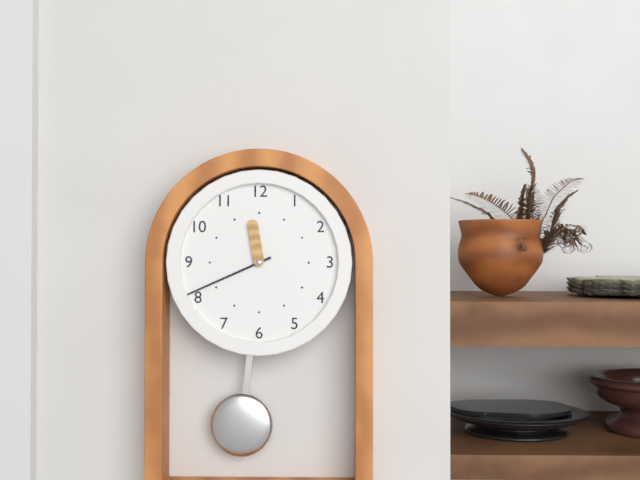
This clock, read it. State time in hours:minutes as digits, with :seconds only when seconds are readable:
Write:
11:41
